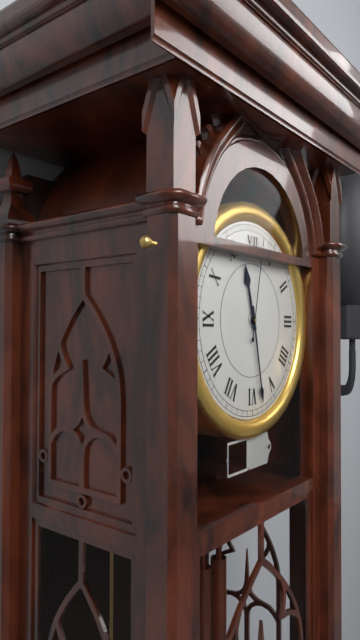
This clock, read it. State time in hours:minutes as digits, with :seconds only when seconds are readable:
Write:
11:28:02
